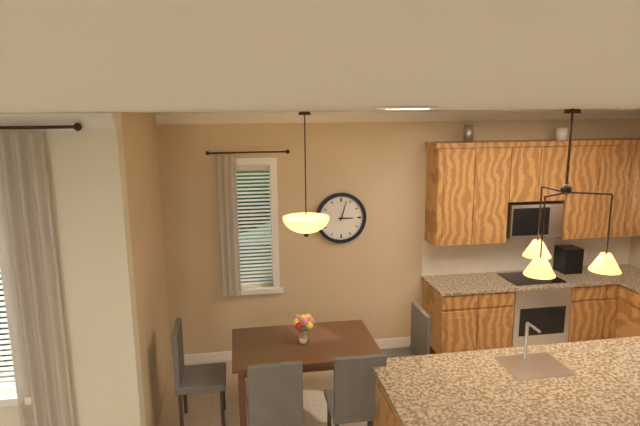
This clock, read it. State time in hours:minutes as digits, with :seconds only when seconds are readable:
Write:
3:03
